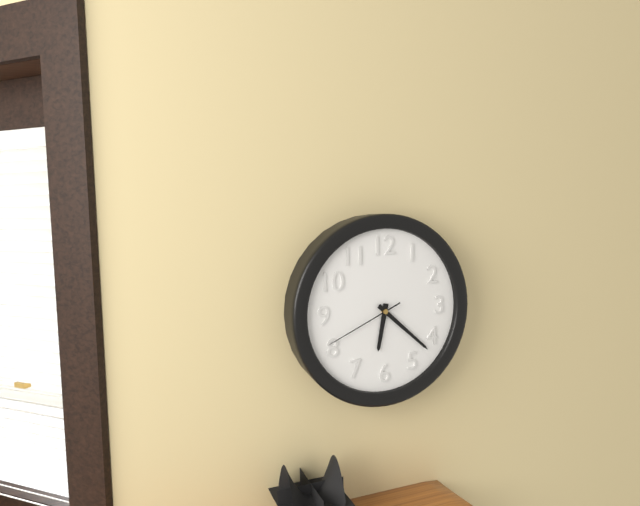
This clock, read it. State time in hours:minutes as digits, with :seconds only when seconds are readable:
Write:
6:22:41
